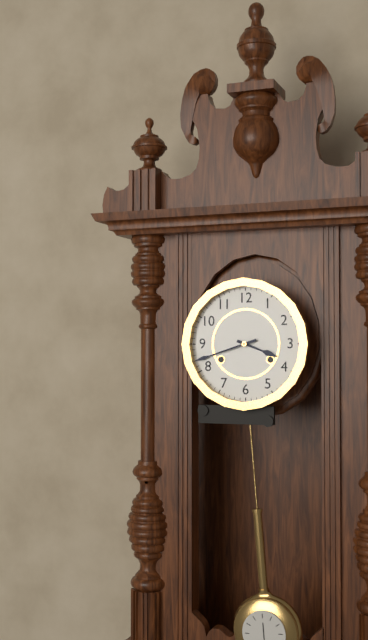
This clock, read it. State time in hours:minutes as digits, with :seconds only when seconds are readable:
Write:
3:42
